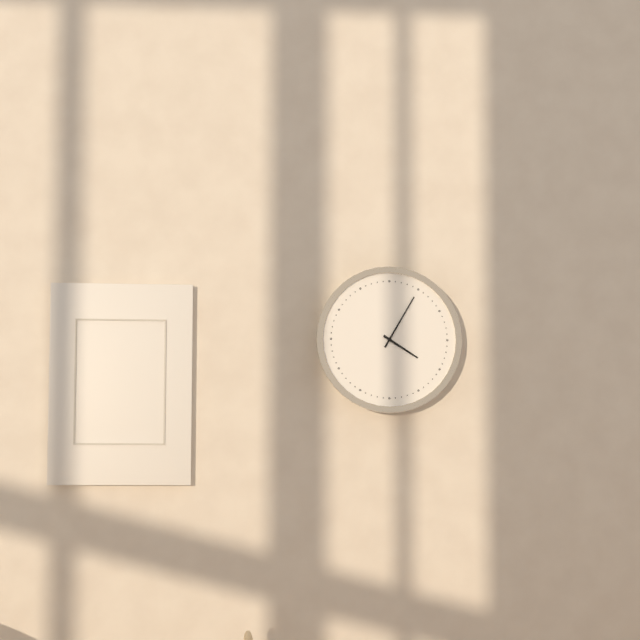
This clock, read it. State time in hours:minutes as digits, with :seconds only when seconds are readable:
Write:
4:05
